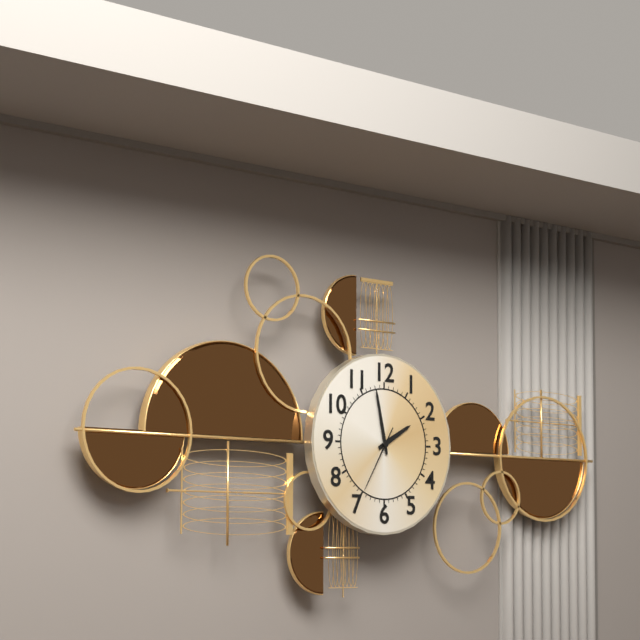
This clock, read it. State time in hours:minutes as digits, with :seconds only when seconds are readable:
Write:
1:58:35
